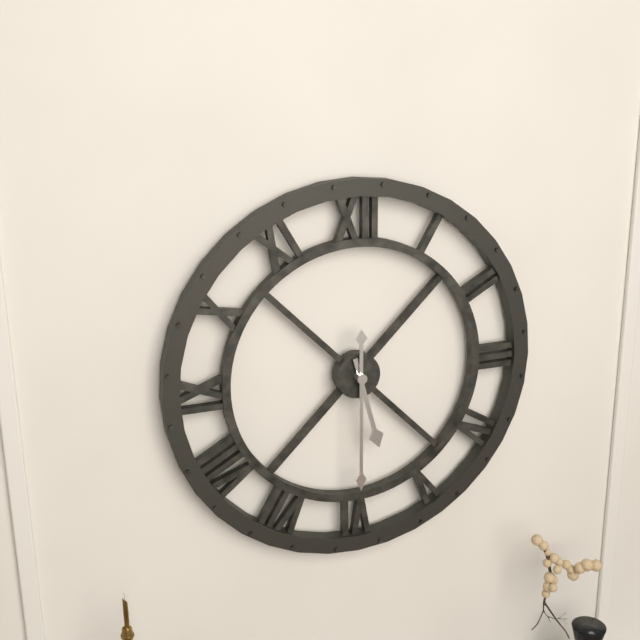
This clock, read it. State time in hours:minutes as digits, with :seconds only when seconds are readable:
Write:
5:30
